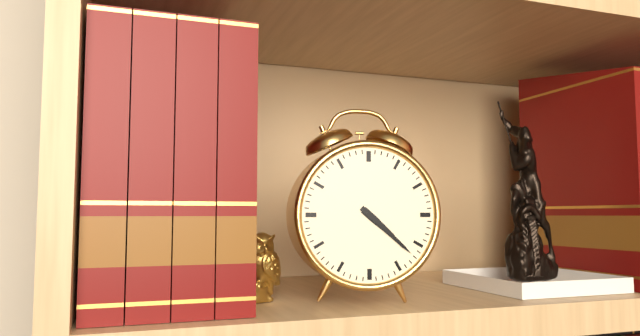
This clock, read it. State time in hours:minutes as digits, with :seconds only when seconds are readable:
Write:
4:22
